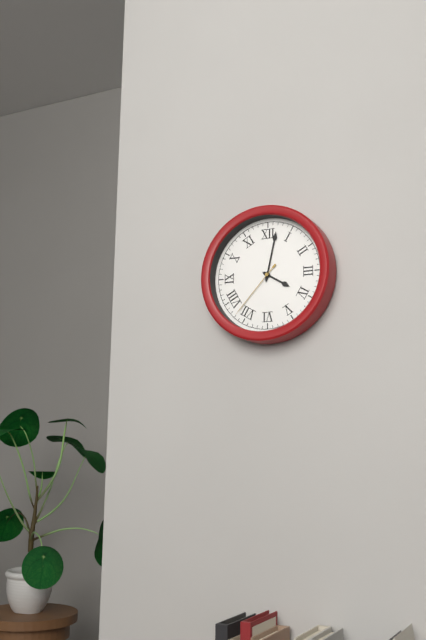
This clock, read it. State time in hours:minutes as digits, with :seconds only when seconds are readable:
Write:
4:02:37
